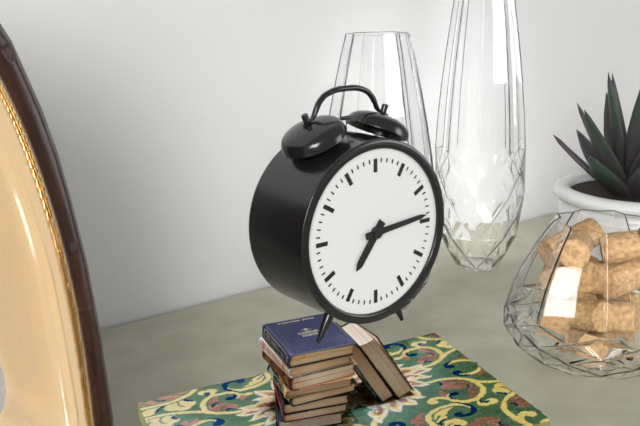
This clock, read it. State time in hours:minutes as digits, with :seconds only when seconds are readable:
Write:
7:14
